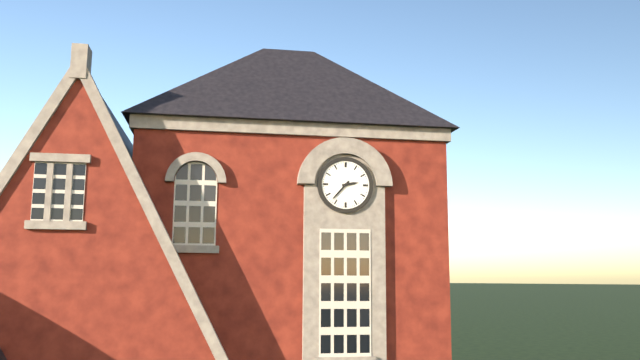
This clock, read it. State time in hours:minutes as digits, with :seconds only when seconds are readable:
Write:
2:37
